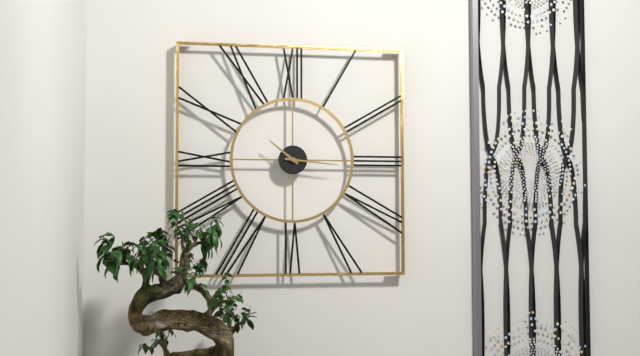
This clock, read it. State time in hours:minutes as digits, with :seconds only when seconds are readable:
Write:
10:16
